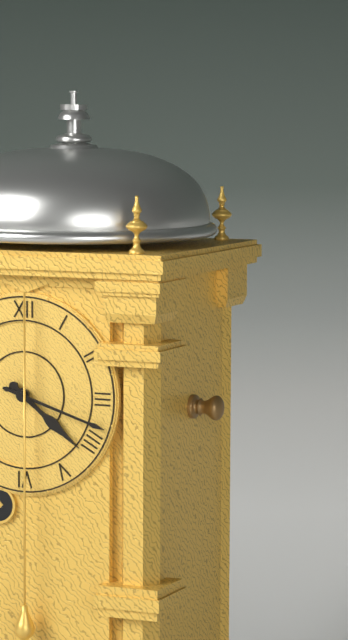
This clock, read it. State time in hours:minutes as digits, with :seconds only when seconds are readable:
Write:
4:18
